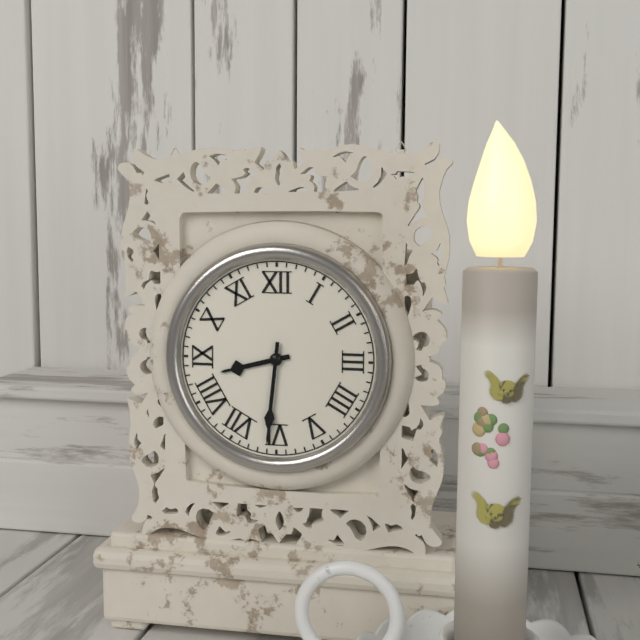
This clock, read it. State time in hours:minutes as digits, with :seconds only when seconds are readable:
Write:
8:31
